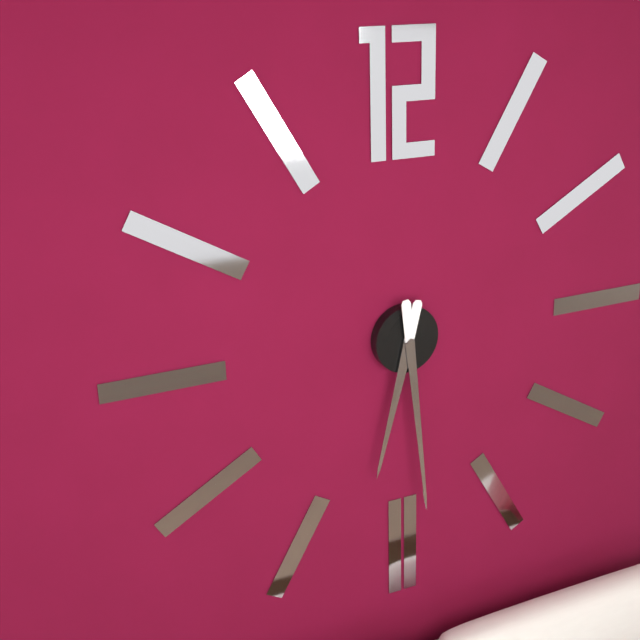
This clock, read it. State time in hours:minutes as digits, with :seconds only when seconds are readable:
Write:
6:29
